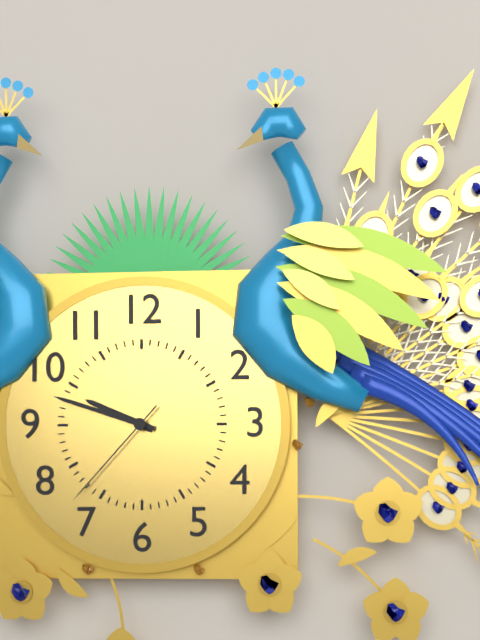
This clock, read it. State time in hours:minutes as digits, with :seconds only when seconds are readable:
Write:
9:48:37
